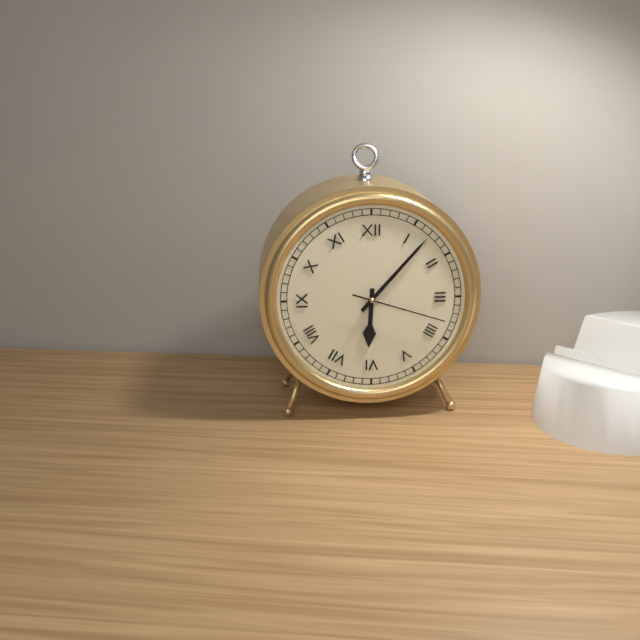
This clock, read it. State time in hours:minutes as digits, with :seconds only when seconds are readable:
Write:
6:07:18
